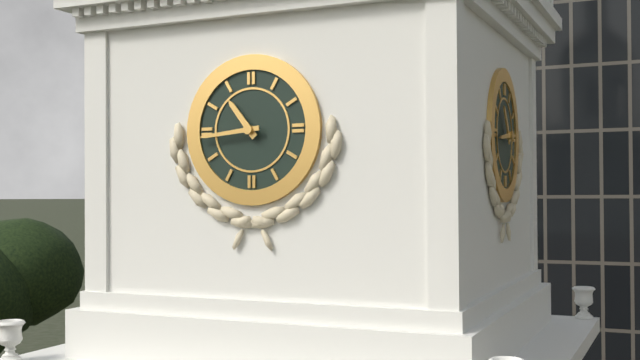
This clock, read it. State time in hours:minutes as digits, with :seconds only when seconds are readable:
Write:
10:44
